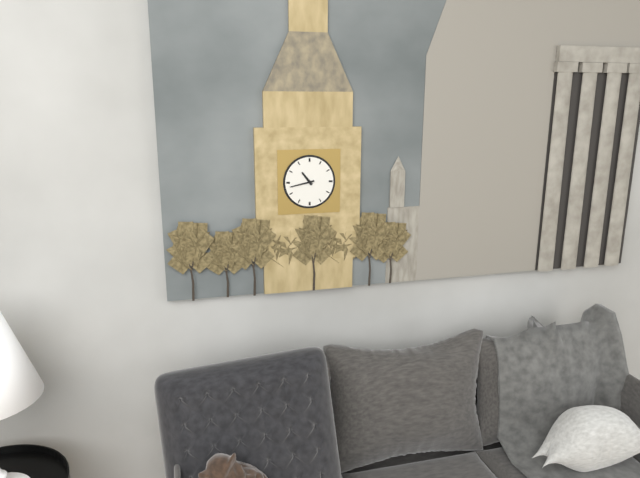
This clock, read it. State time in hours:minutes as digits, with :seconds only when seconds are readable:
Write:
10:43
